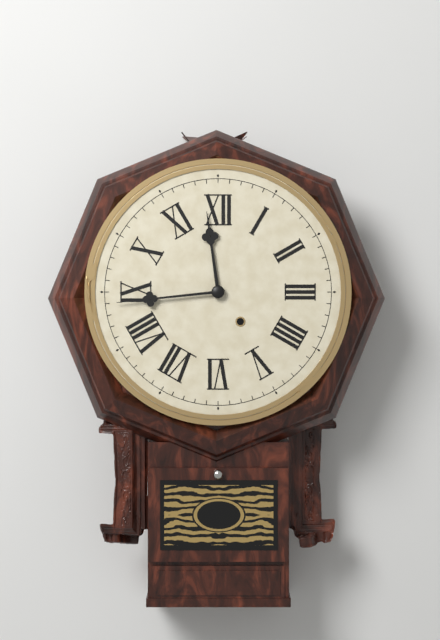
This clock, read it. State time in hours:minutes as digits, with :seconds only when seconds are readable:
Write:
11:44
